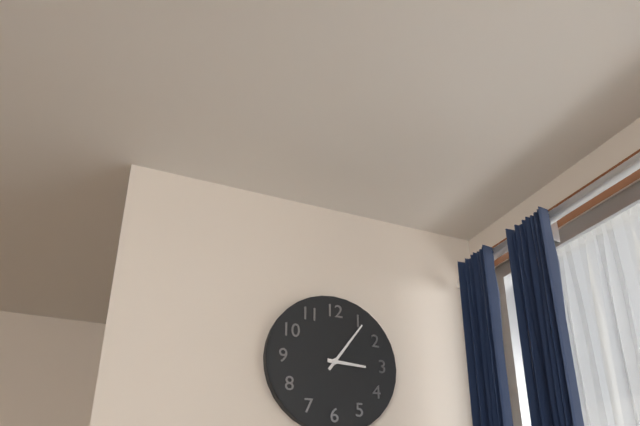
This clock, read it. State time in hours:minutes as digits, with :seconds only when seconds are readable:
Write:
3:06
